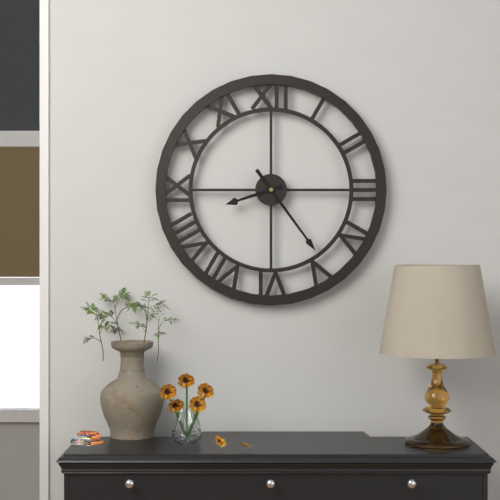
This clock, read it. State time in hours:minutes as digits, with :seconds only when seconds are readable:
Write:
8:24
